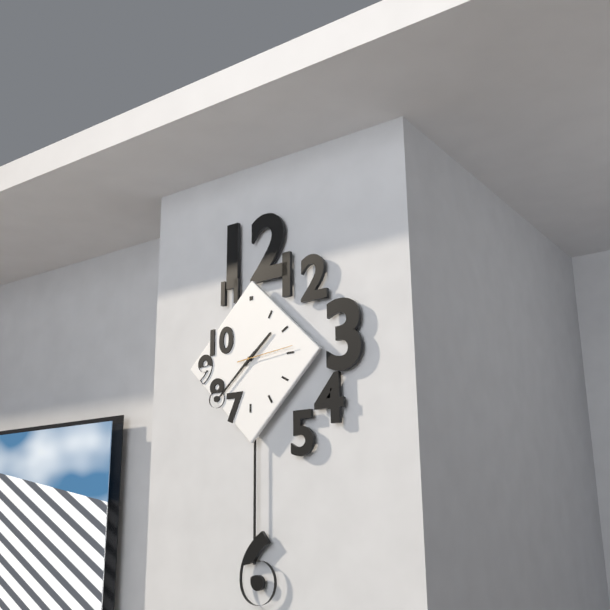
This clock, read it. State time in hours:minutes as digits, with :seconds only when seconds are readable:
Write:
1:38
